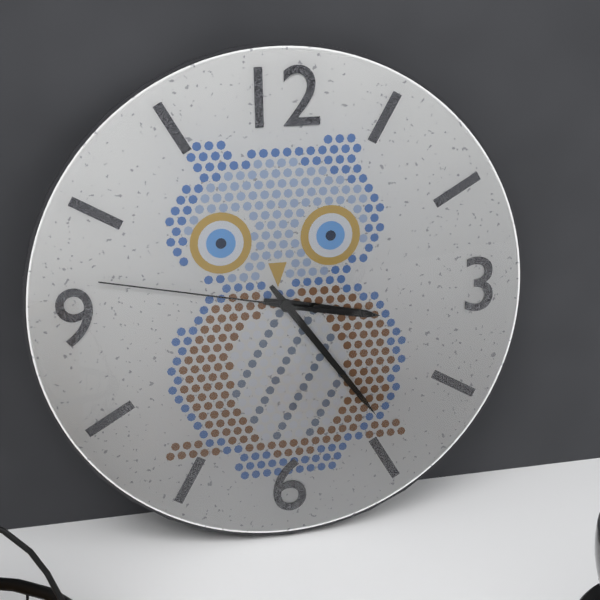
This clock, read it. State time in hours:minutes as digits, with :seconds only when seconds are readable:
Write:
3:24:47
